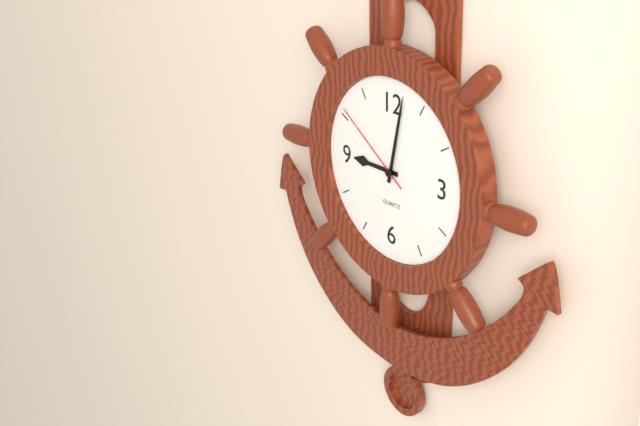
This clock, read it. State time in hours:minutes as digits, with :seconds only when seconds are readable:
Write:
9:02:51
